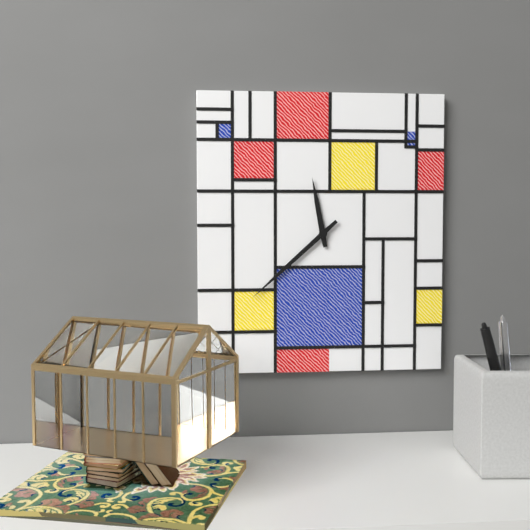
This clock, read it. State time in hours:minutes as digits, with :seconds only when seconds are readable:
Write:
11:38
